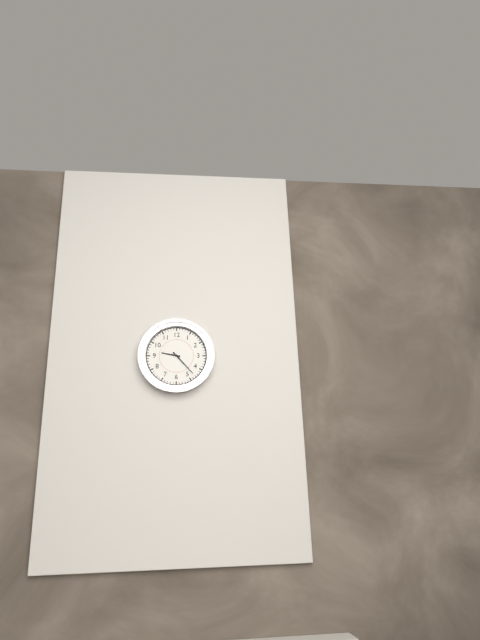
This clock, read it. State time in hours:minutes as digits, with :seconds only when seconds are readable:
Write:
9:23
